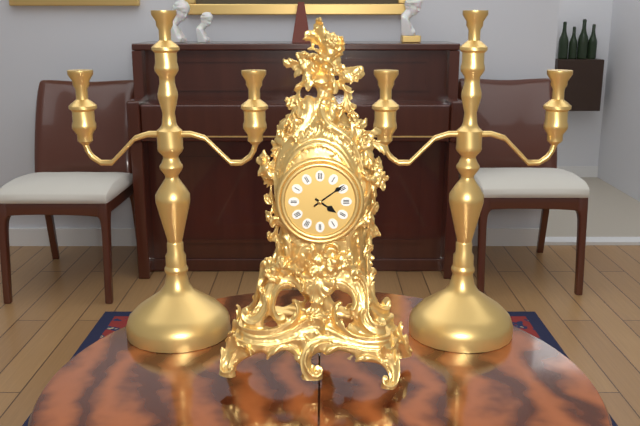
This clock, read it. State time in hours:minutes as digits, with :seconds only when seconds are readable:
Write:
4:09
